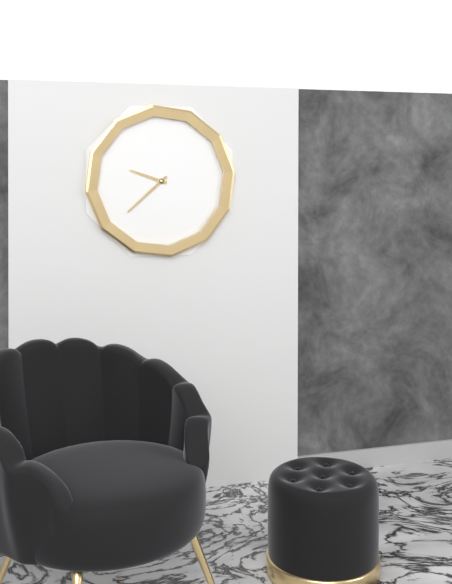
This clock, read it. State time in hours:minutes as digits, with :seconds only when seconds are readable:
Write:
9:38
